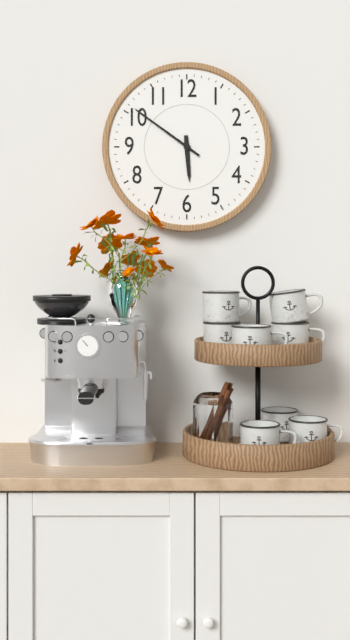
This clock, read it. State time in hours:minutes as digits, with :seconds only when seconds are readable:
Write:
5:51
